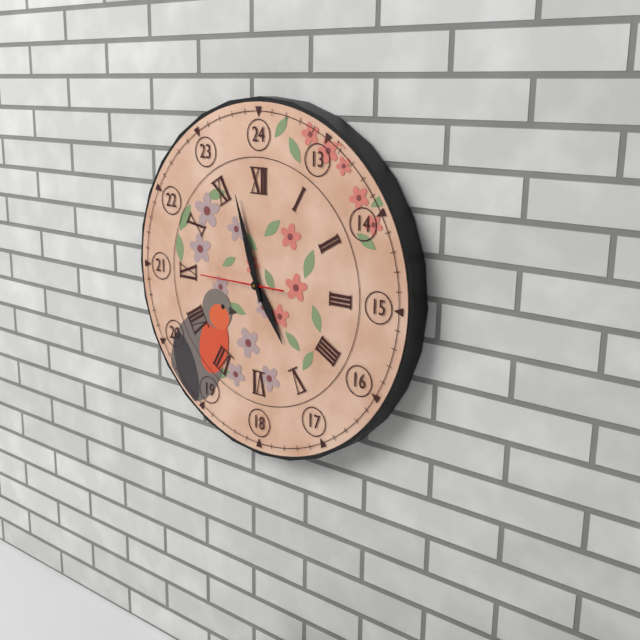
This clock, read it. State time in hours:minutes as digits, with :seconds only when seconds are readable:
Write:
4:57:45
